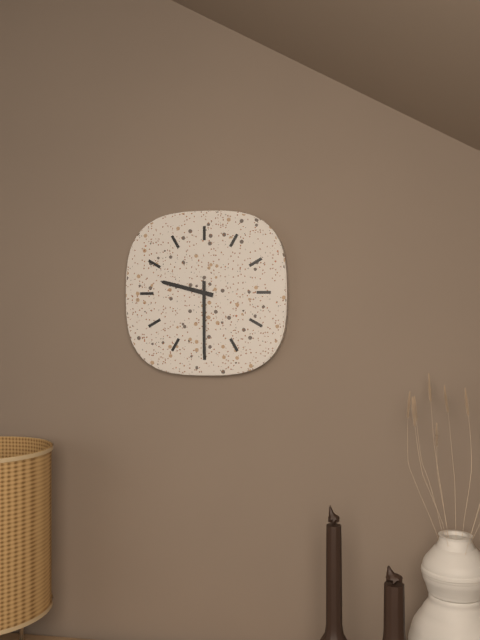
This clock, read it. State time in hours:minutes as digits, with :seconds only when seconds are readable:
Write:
9:30
